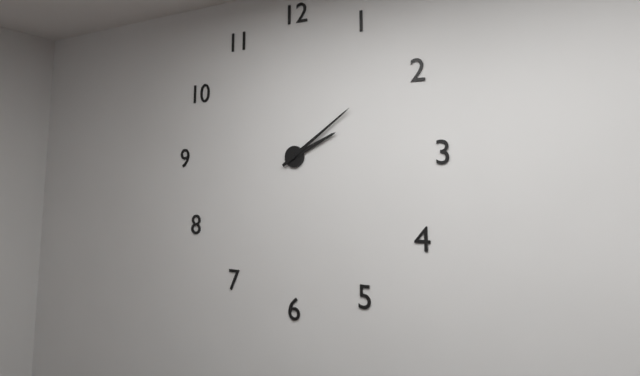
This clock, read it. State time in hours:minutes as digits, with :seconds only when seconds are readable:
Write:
2:09
